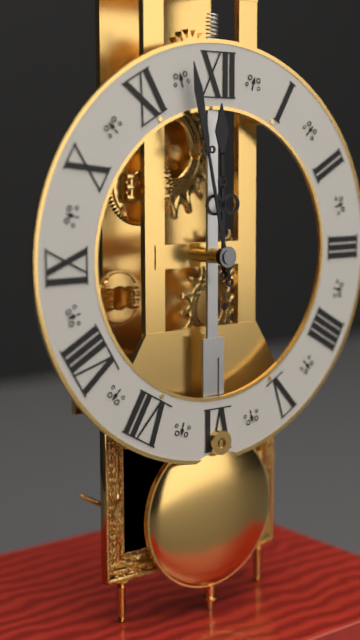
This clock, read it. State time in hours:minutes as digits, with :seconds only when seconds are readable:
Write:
11:58
